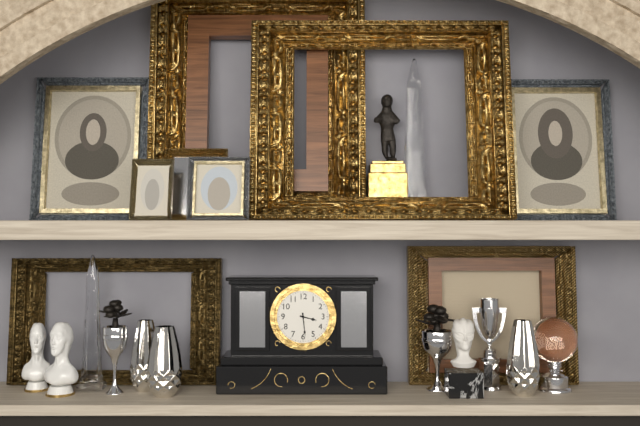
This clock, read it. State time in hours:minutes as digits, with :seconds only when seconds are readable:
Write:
3:29
